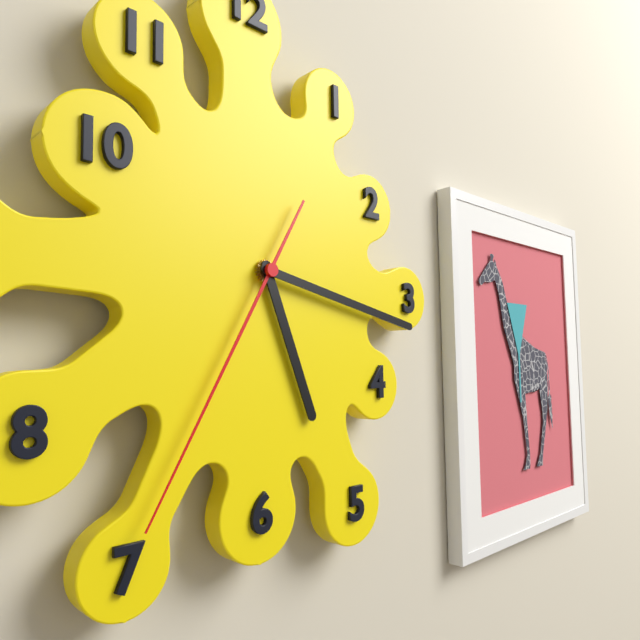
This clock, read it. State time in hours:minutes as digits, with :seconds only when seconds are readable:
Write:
5:17:35
